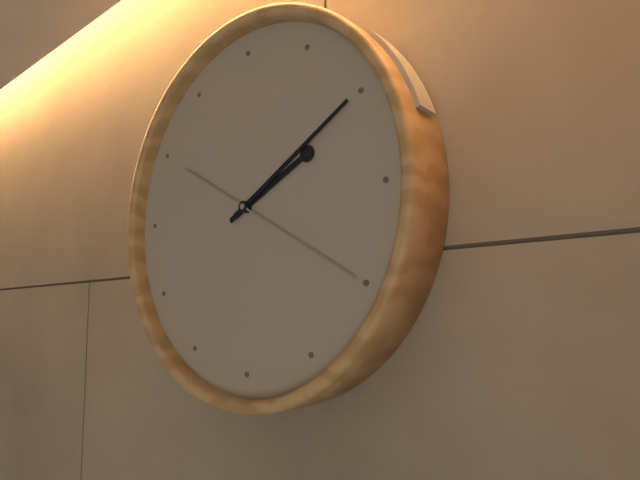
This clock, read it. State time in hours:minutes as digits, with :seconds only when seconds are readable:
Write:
2:10:20
